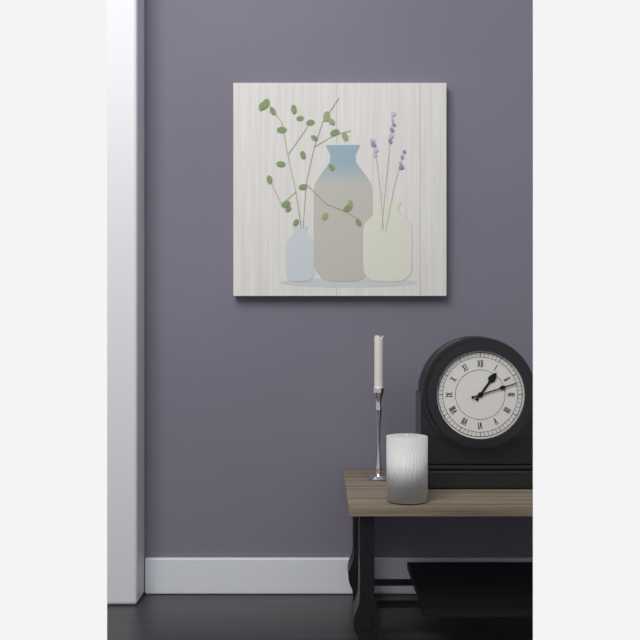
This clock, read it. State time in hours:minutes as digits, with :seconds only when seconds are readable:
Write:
1:12
